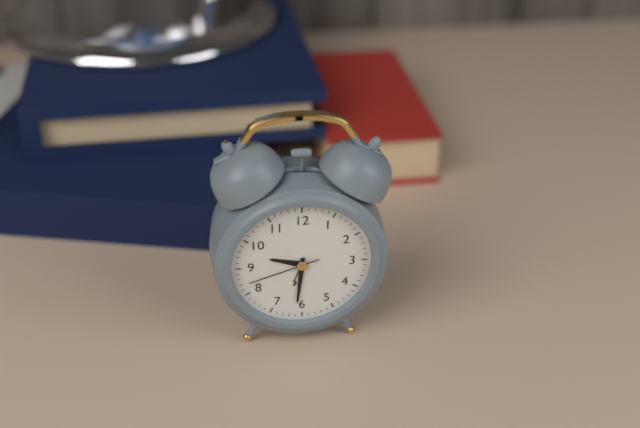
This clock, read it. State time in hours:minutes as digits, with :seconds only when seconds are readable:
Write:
9:31:42
